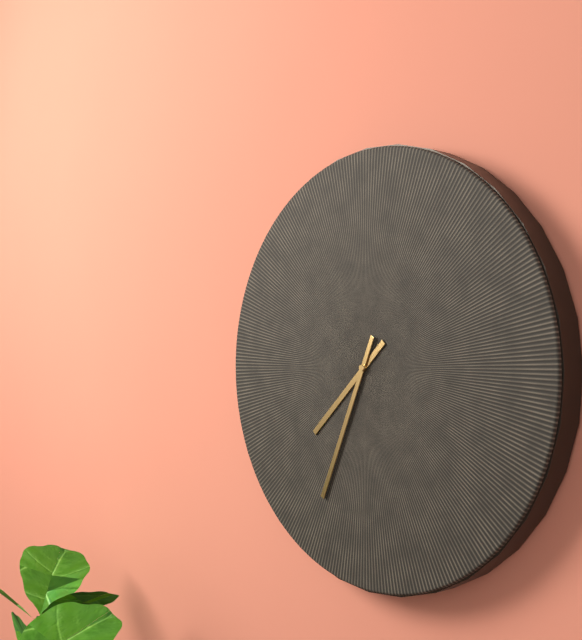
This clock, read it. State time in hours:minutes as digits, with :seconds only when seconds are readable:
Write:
7:34
